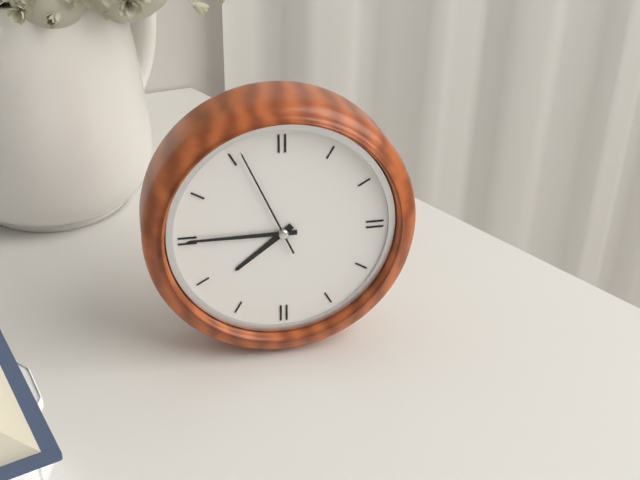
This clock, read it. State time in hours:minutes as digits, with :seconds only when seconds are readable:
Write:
7:45:56
